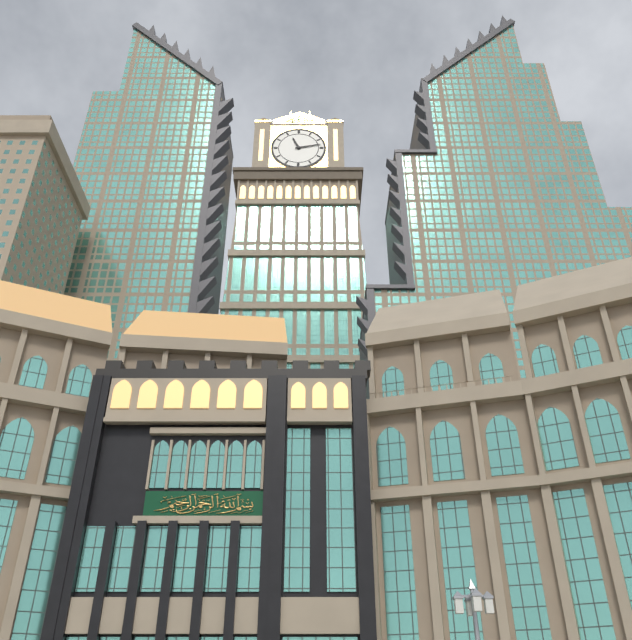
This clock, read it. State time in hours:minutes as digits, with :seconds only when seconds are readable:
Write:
11:13
